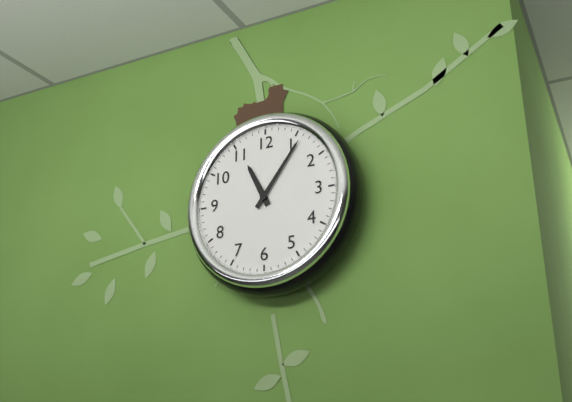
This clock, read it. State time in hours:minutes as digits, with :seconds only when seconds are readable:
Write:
11:06
